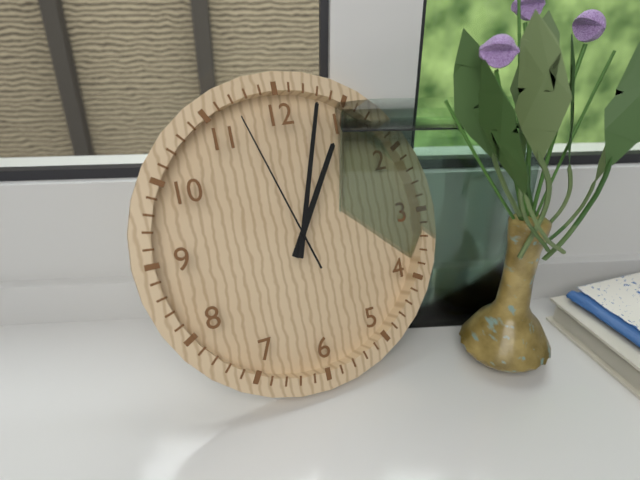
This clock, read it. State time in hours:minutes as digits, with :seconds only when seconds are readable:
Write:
1:03:57
